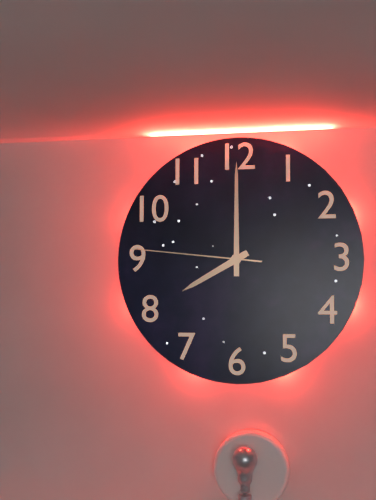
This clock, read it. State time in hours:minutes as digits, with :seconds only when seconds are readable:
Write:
8:00:46
